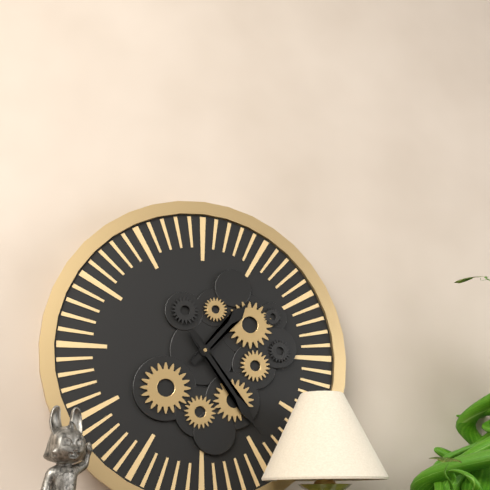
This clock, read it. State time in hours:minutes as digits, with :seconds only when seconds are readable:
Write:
1:24
